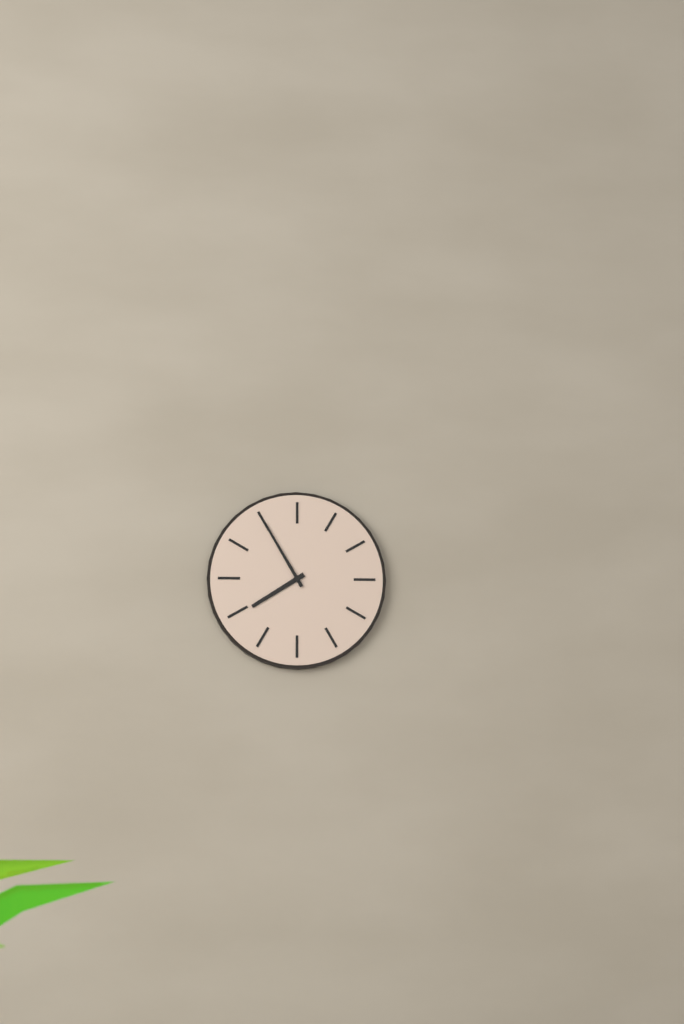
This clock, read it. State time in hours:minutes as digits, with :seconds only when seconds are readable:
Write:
7:55
